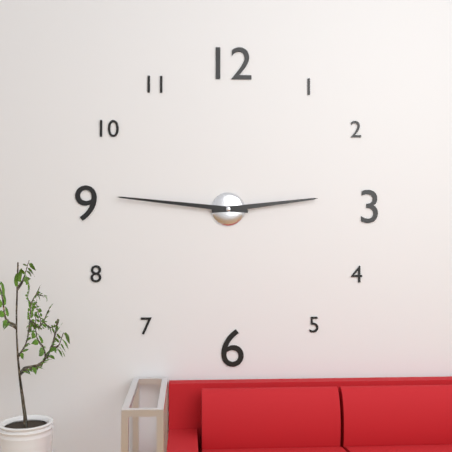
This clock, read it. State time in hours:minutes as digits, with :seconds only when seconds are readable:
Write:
2:46
